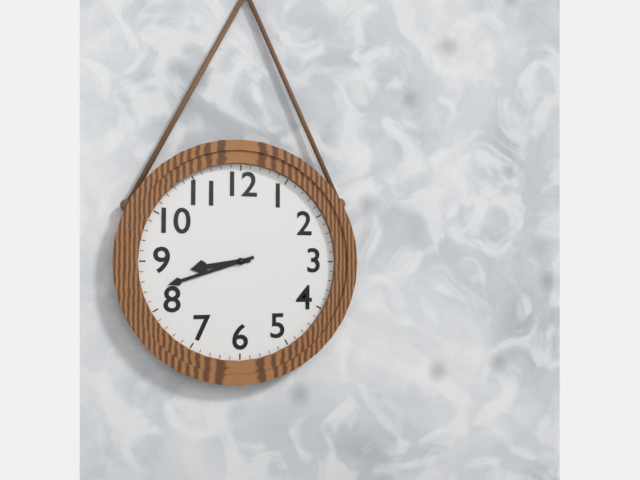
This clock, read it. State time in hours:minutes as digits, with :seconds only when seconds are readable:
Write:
8:42
